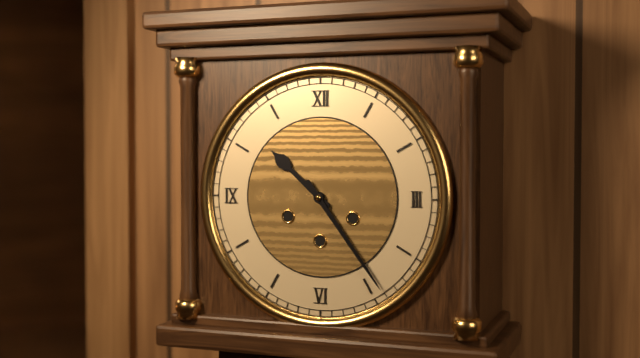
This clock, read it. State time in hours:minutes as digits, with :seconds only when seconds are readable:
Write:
10:24
